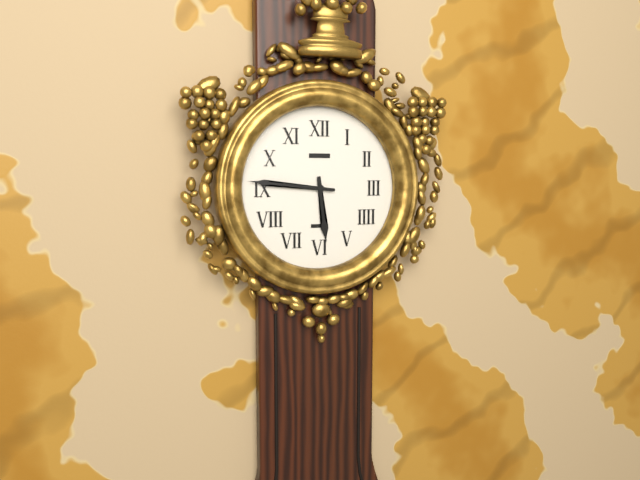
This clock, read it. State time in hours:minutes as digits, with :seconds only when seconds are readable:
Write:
5:46
